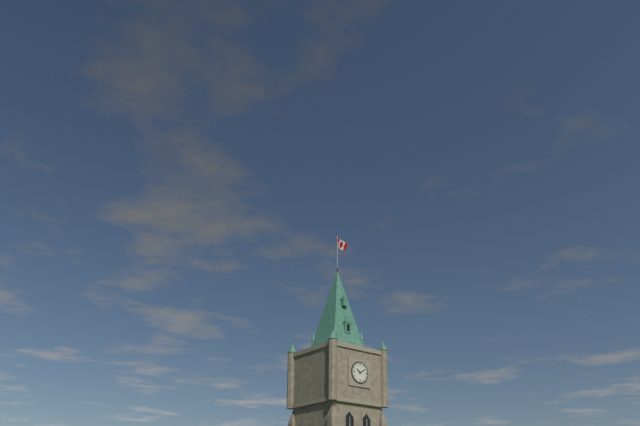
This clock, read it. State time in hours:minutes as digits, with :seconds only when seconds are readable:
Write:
10:10
